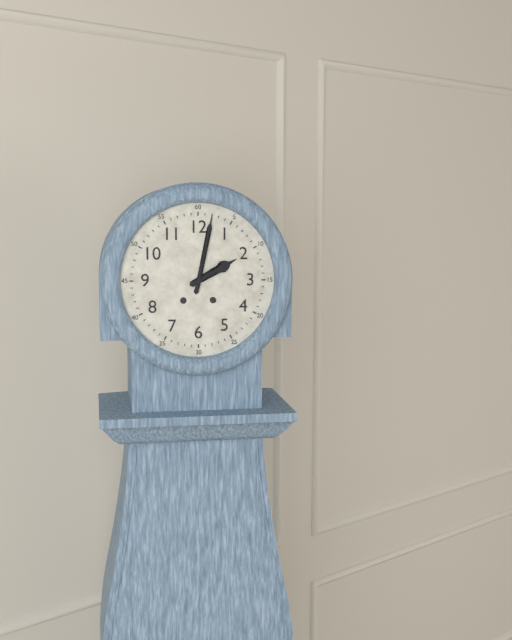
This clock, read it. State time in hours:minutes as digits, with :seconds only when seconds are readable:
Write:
2:02
